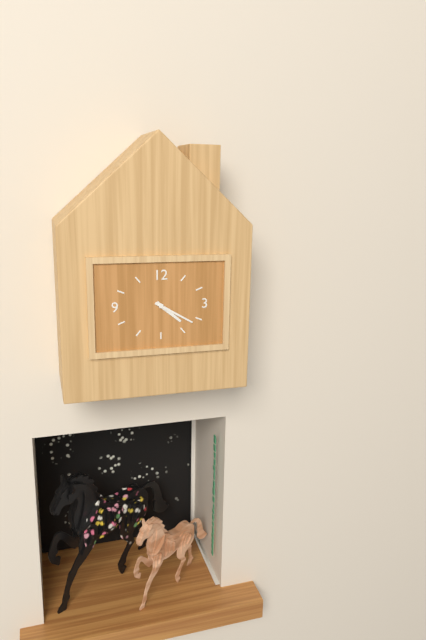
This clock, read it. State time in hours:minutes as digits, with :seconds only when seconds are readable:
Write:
4:20
